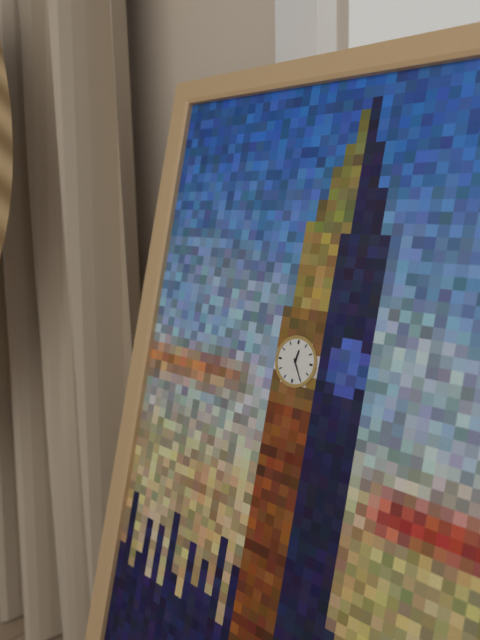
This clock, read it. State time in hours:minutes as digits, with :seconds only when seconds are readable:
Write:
12:25
